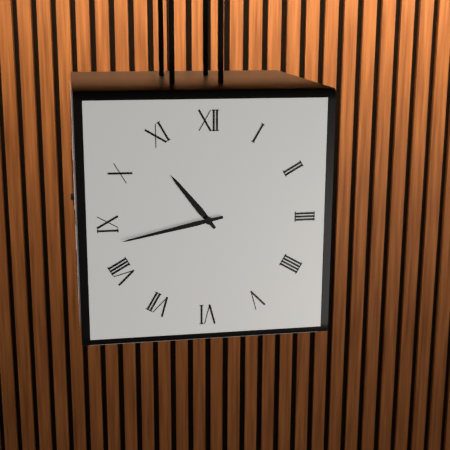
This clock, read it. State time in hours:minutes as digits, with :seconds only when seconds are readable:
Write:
10:43
